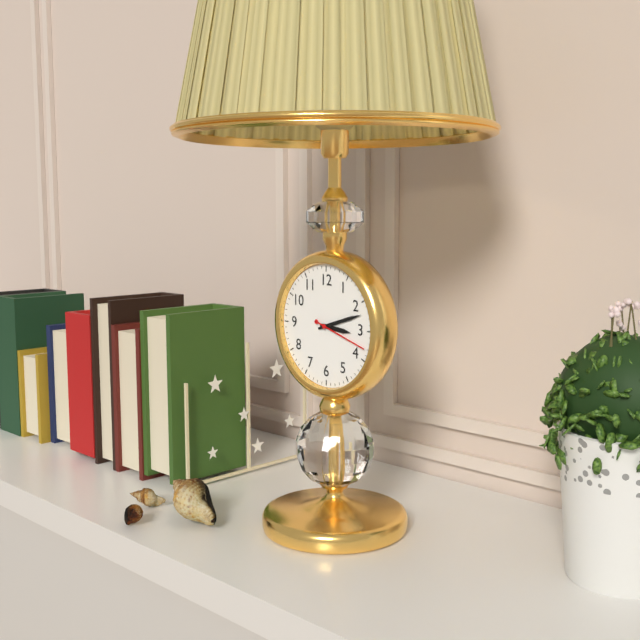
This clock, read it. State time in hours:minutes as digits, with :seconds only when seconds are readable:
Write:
3:12
